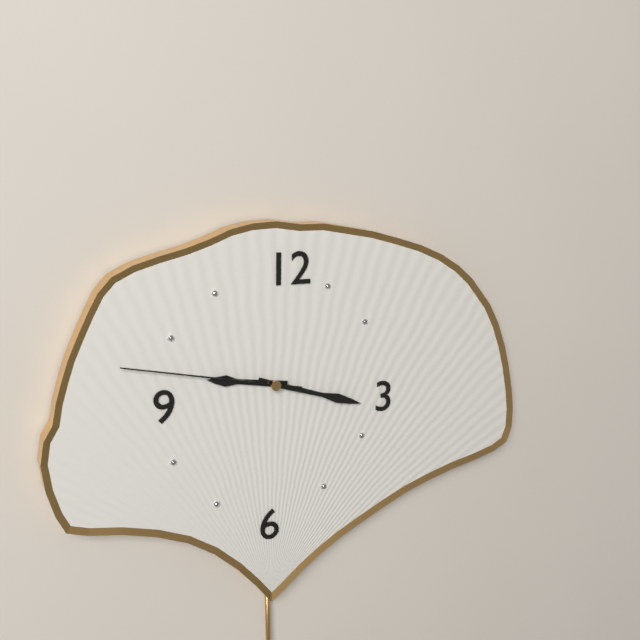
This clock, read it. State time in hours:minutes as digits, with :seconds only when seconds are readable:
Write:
9:18:47
